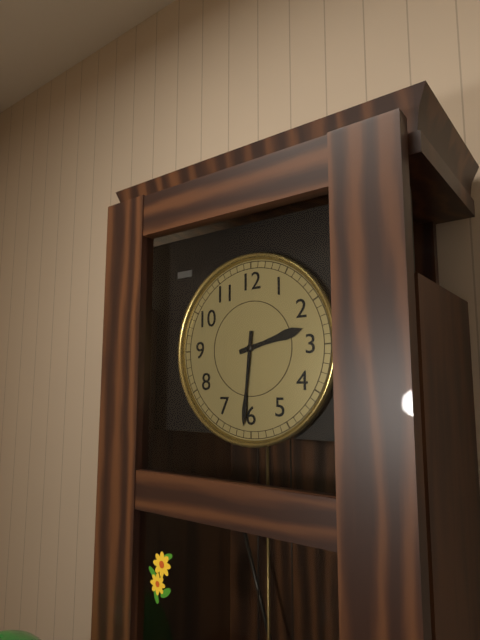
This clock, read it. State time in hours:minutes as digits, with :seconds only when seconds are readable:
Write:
2:31
